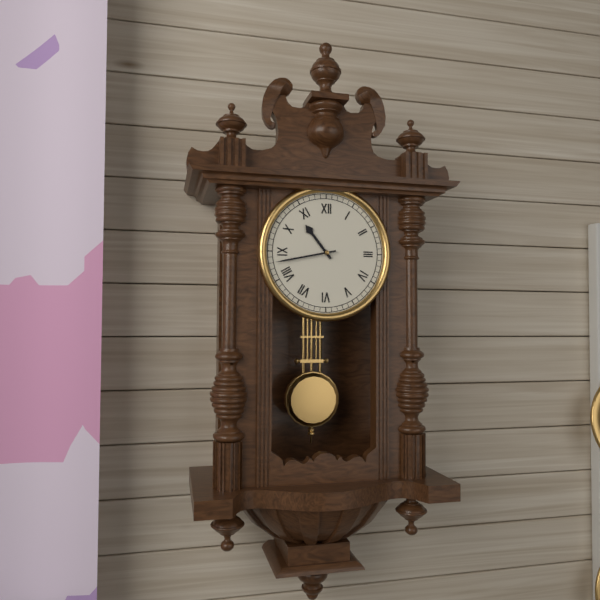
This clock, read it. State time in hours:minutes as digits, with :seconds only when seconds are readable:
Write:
10:43
